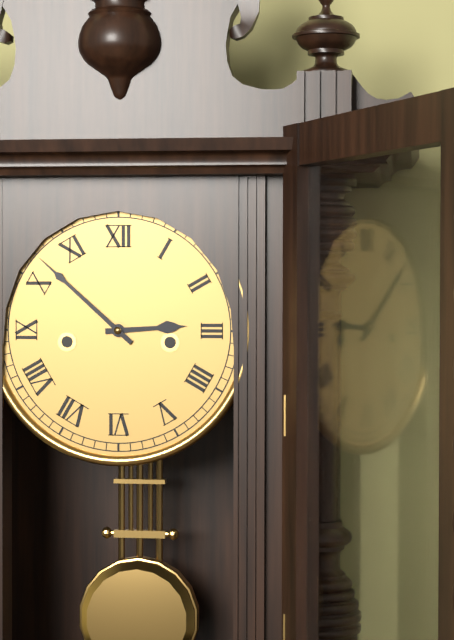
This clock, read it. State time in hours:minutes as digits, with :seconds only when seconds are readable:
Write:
2:52
